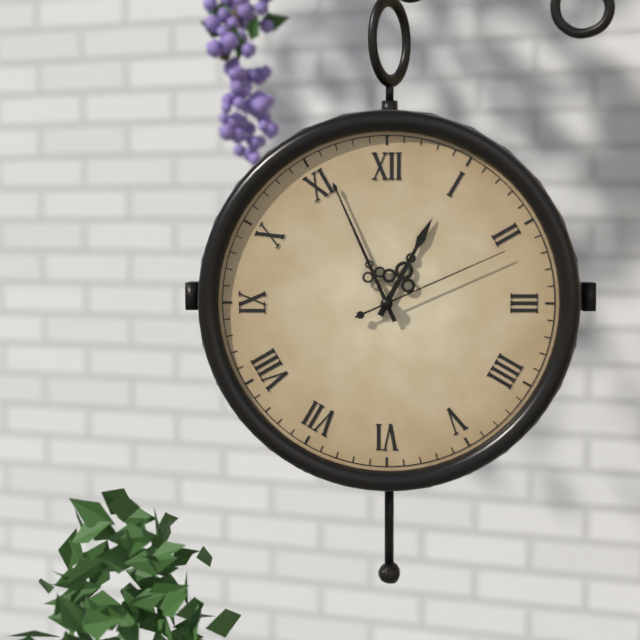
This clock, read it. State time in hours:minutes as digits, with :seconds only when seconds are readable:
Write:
12:56:11
